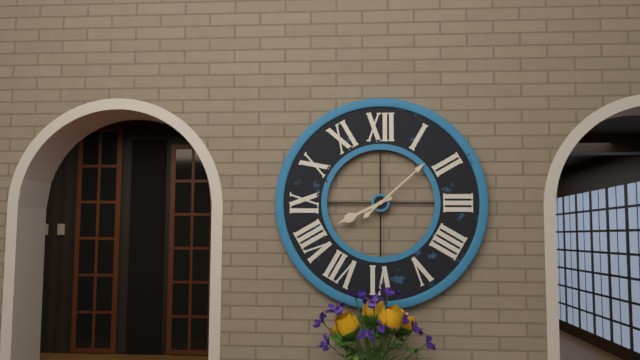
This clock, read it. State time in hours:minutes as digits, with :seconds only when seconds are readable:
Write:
8:08
